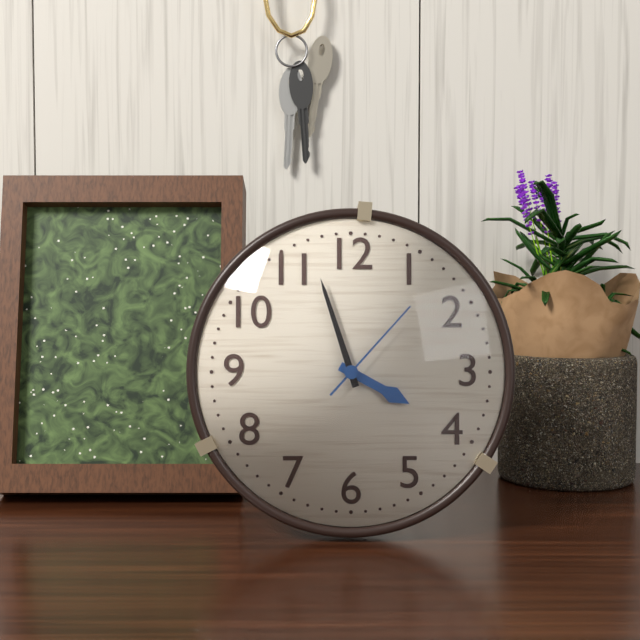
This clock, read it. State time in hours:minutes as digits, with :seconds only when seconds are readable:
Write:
3:57:07
